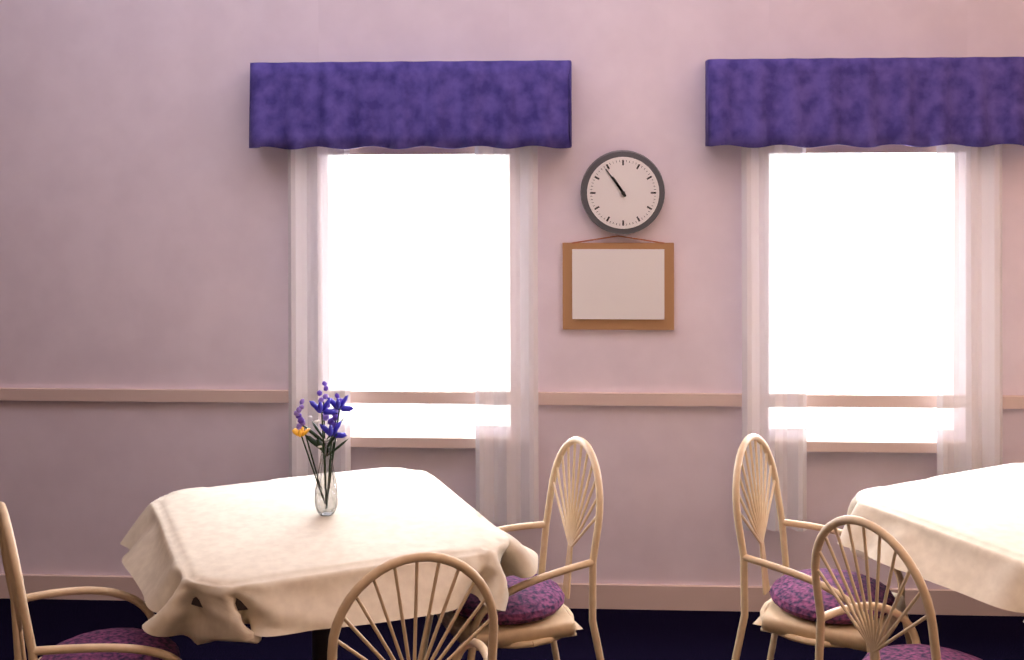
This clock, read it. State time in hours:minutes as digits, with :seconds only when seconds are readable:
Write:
10:54
